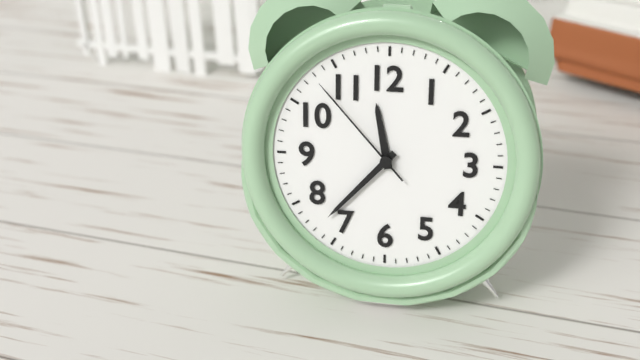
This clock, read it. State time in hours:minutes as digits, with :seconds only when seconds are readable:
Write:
11:37:53
